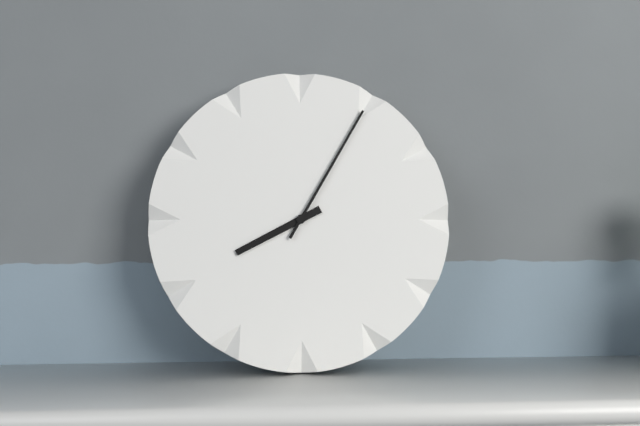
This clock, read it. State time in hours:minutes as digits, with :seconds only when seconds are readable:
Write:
8:05
